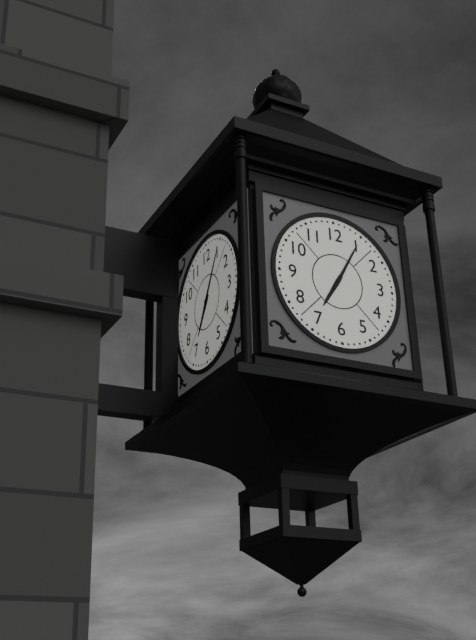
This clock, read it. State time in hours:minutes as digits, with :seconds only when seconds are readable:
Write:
7:05
